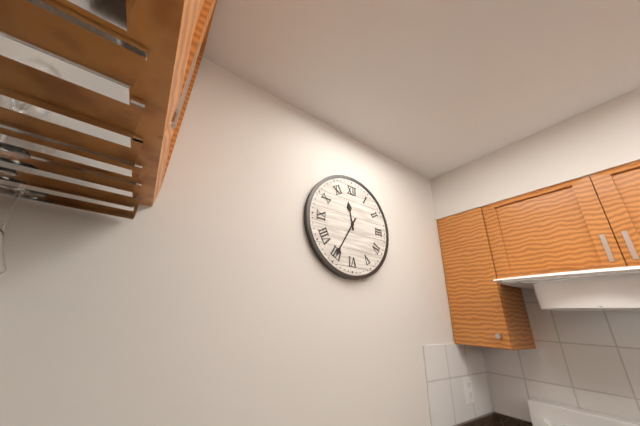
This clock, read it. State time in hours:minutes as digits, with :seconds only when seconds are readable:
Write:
11:35
